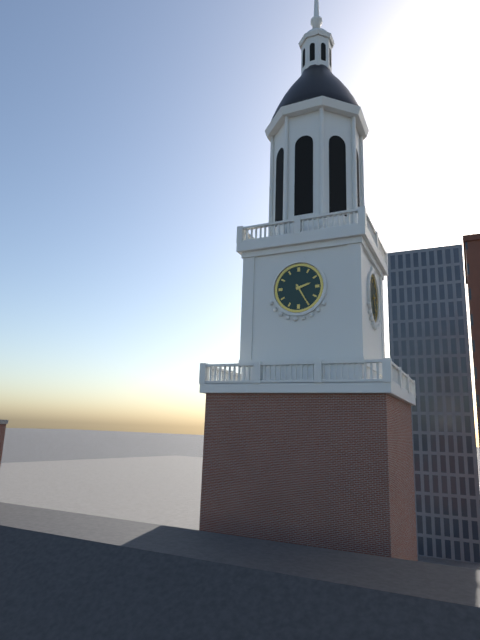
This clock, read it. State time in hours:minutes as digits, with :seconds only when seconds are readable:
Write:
2:25
